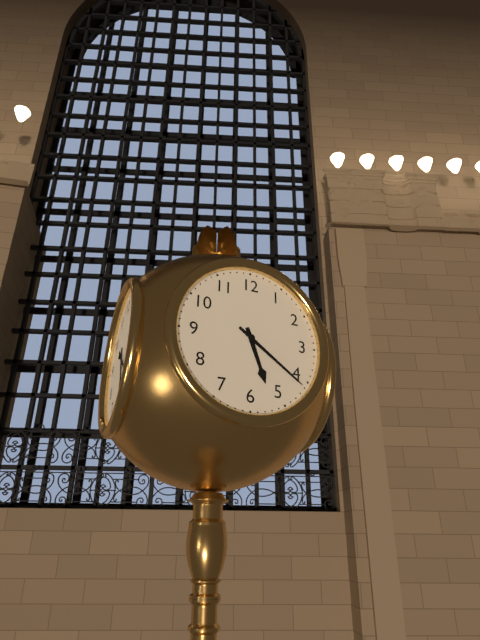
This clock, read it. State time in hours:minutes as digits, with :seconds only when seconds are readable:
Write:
5:21
